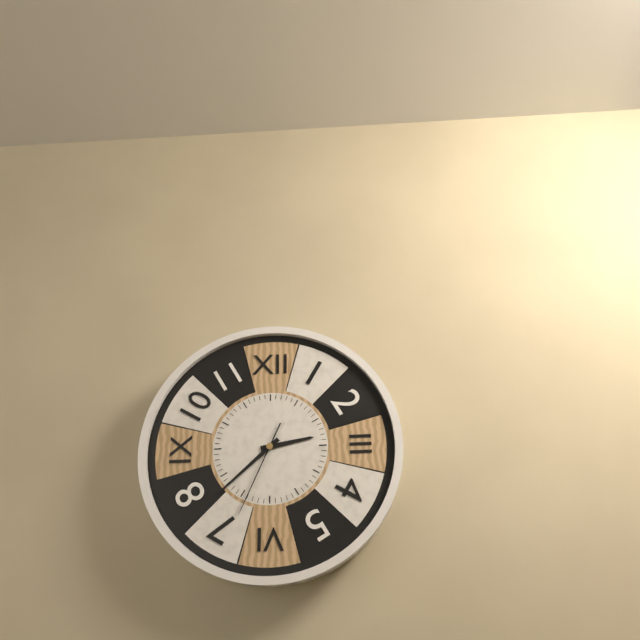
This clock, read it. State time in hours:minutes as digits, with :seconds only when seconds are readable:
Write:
2:38:34
